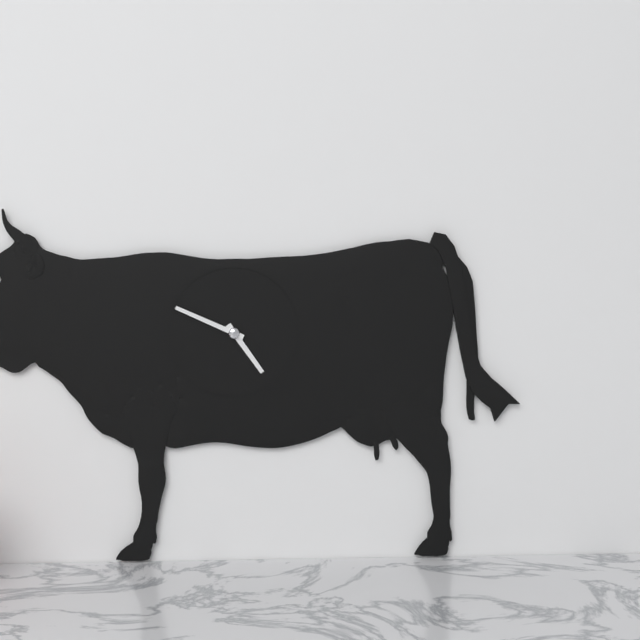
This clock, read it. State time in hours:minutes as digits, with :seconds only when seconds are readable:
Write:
4:49
